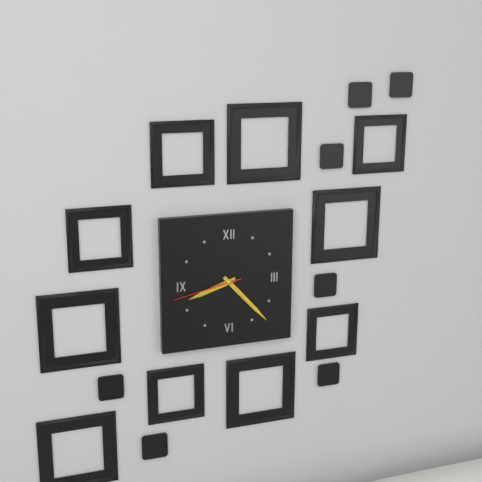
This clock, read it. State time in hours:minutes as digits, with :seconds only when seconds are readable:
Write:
8:23:43
